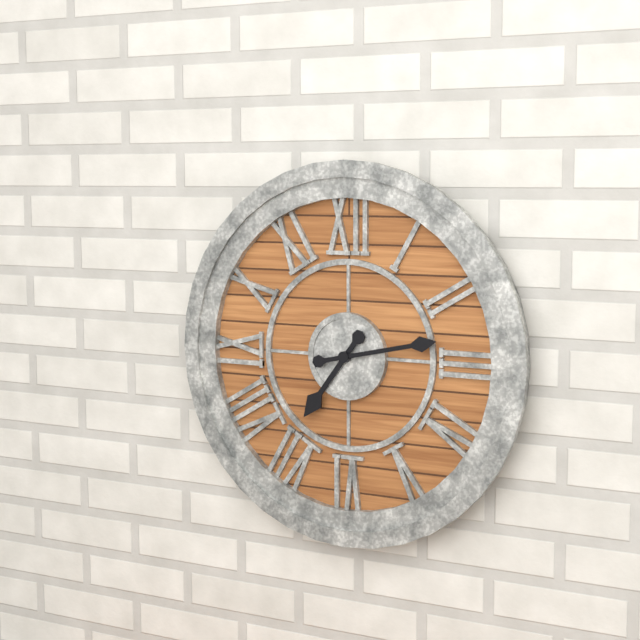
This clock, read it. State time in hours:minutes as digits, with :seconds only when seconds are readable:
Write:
7:13
